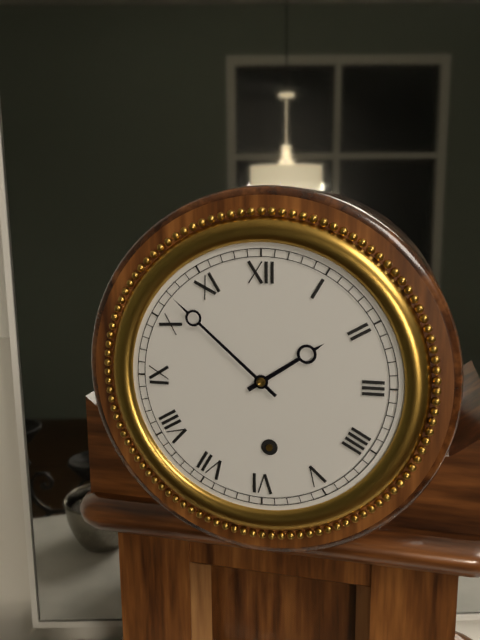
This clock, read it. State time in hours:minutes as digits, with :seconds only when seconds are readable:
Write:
1:52
